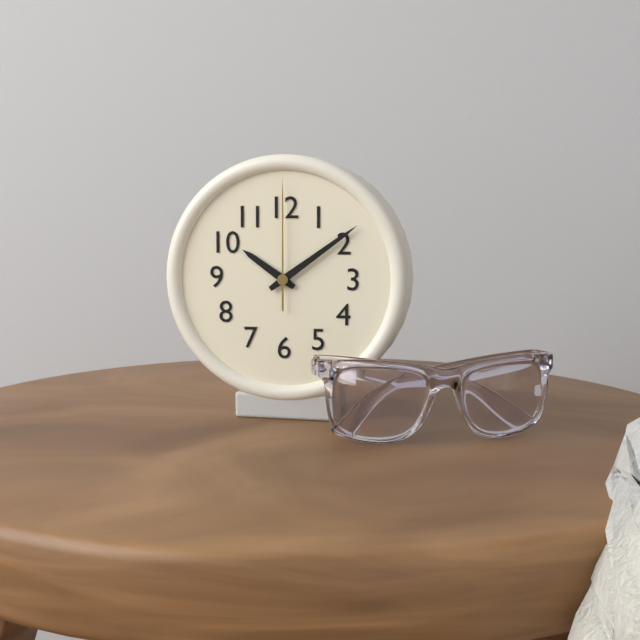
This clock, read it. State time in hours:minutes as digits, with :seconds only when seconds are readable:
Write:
10:09:00
